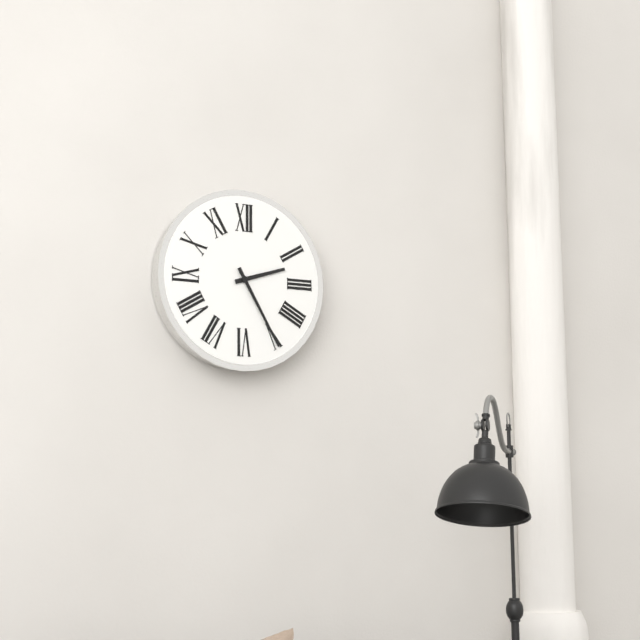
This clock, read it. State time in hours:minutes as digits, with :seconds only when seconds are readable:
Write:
2:25
